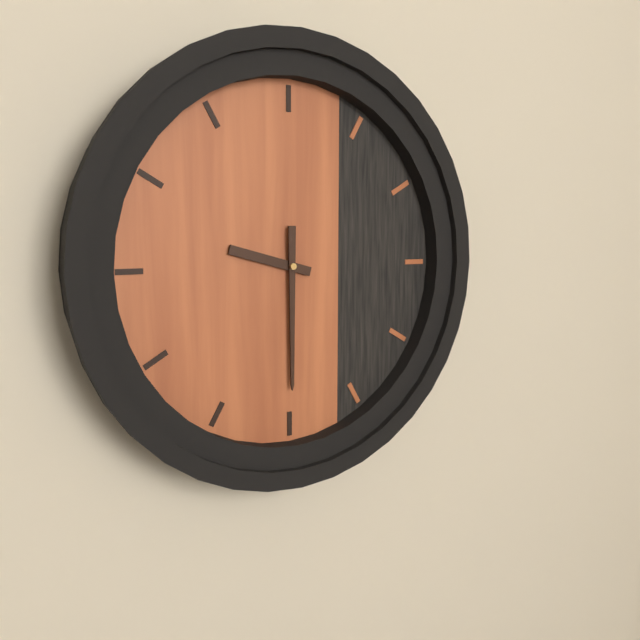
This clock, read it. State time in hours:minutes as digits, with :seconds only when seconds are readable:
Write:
9:30
